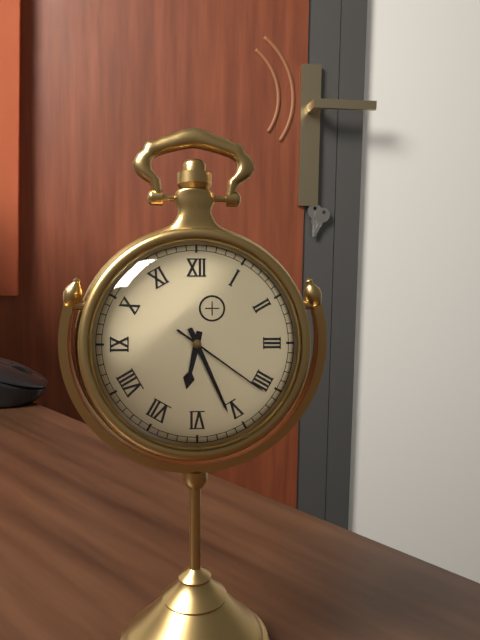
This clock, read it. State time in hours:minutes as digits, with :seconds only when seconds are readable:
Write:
6:26:21
